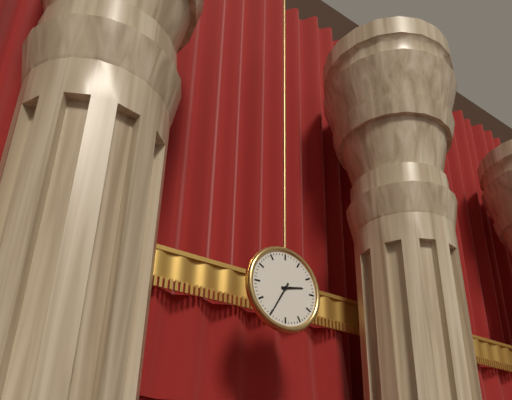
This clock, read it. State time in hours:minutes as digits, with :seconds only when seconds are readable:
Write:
2:35
